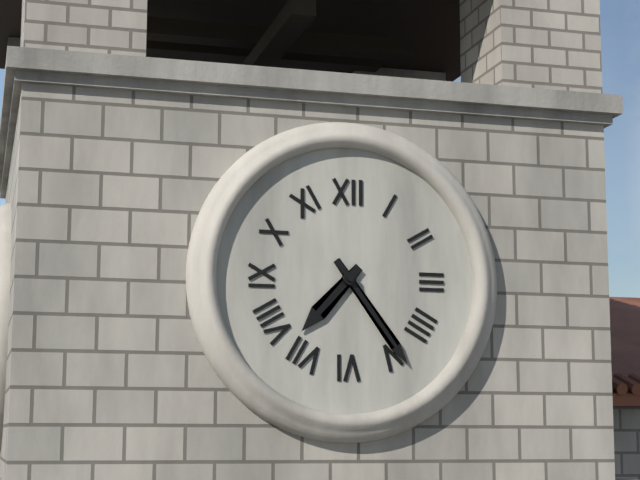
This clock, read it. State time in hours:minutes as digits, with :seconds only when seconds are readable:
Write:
7:24
